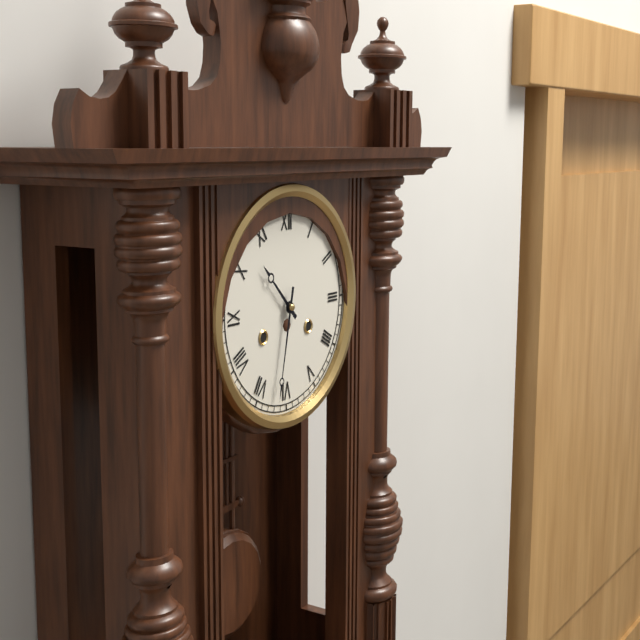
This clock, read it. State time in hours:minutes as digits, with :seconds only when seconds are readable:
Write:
10:32
